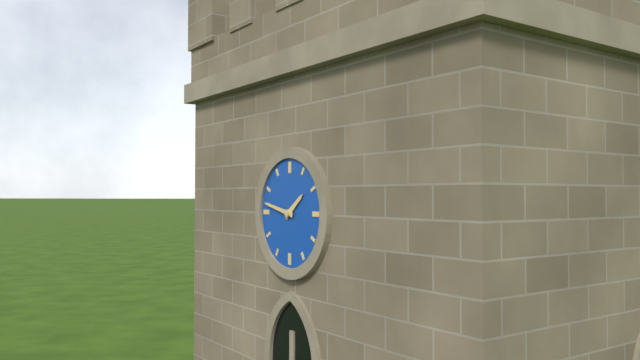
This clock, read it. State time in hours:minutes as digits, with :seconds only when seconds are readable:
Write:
1:47
